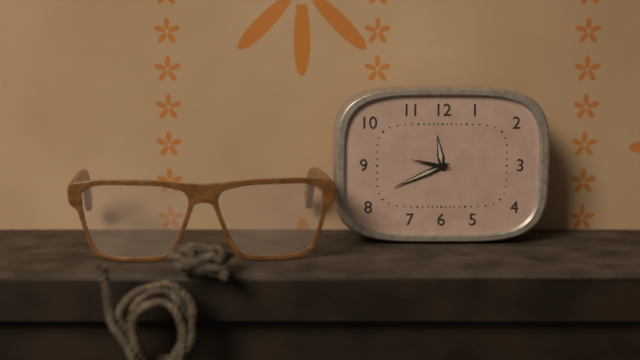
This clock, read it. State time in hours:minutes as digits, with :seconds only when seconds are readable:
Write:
11:41
